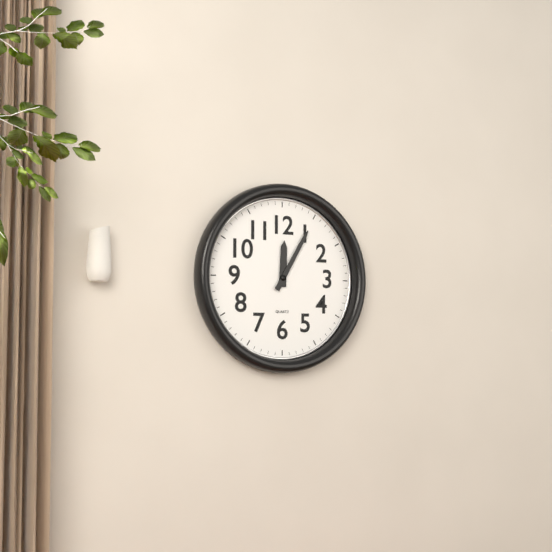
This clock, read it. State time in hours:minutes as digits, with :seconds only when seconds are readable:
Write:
12:05
